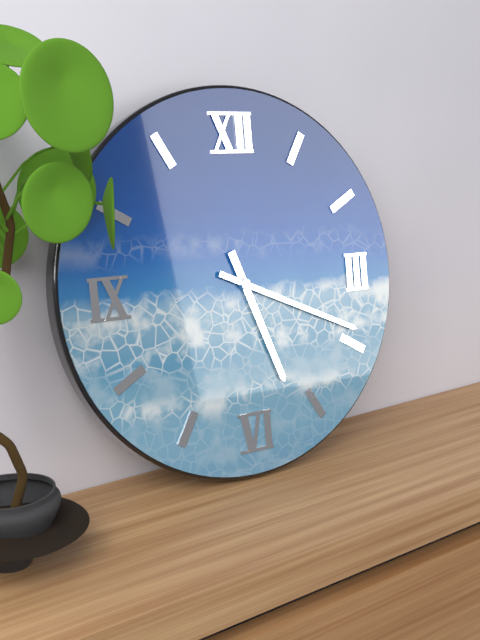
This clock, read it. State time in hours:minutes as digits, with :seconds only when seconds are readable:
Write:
5:19
